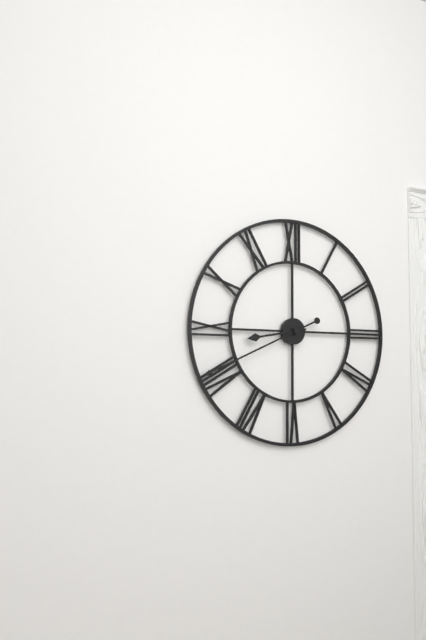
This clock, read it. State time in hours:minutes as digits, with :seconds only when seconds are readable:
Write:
8:41
